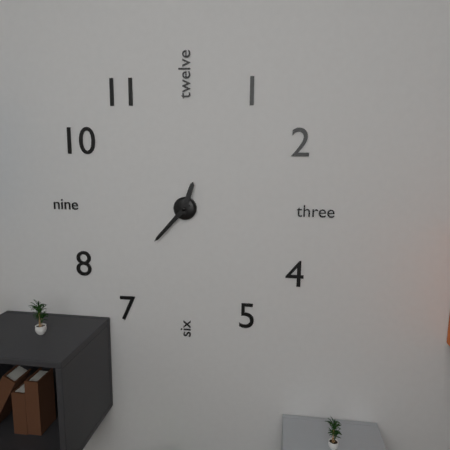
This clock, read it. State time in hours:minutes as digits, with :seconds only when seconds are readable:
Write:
12:37
